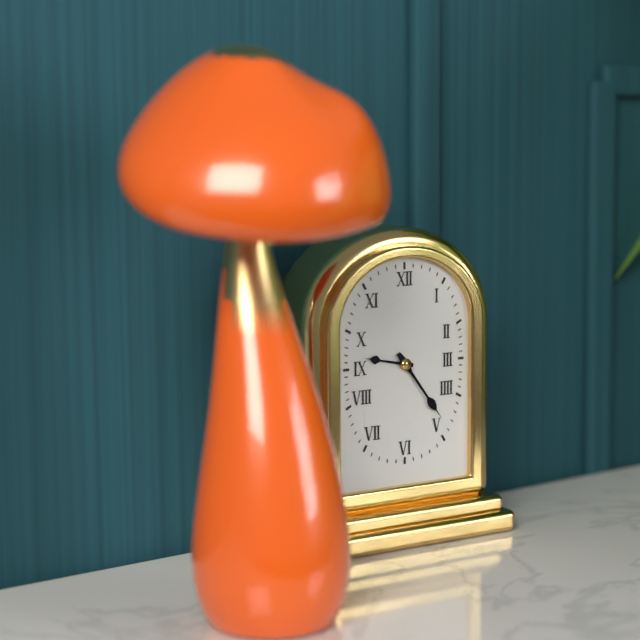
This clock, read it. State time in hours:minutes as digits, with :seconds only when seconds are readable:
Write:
9:24
